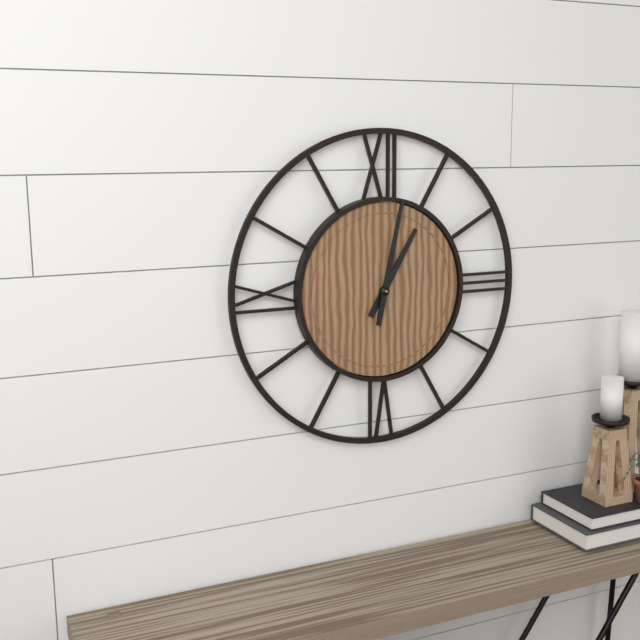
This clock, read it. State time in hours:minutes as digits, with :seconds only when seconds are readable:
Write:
1:02
